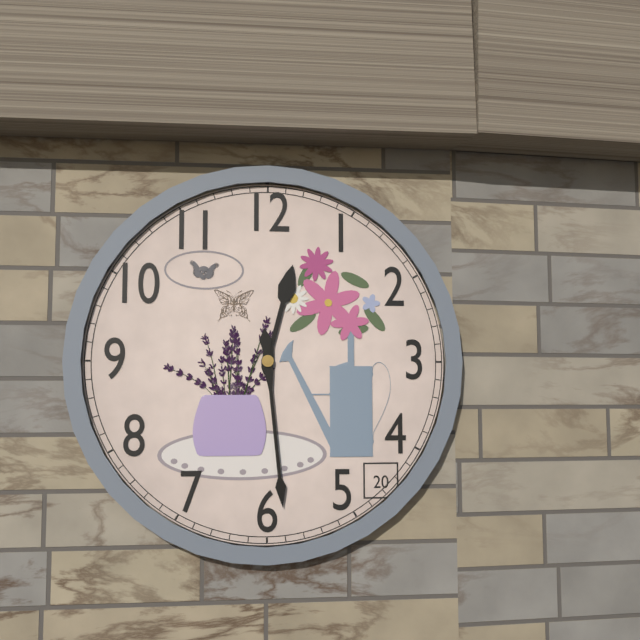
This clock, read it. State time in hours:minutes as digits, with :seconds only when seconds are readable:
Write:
12:29
